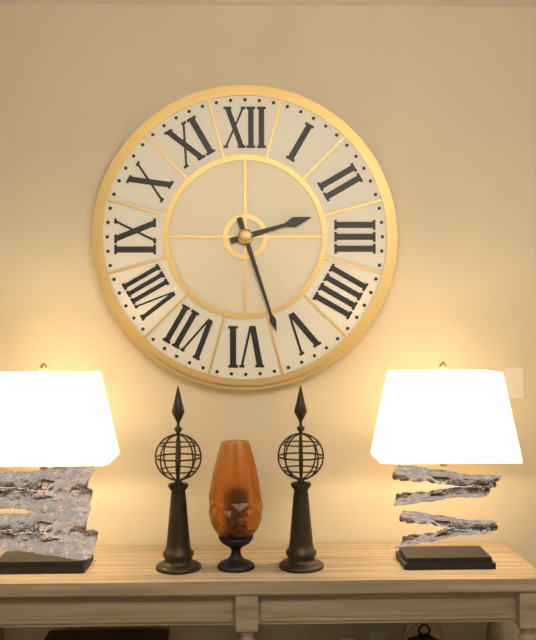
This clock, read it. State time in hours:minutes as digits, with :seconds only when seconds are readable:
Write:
2:27
